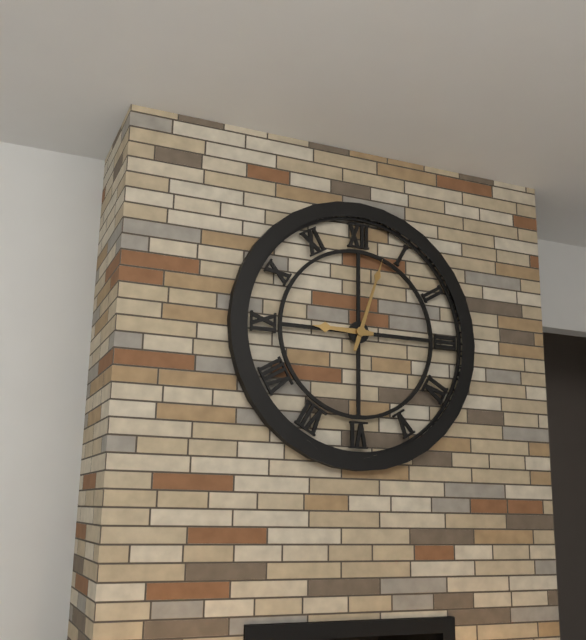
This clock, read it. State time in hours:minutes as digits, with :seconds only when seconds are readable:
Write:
9:03
